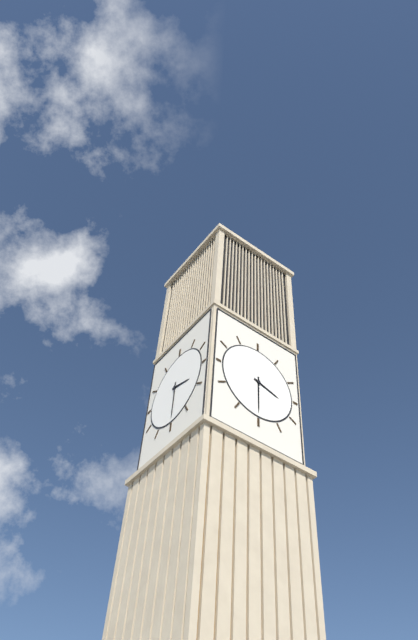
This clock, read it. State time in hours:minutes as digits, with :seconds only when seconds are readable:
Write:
3:30
